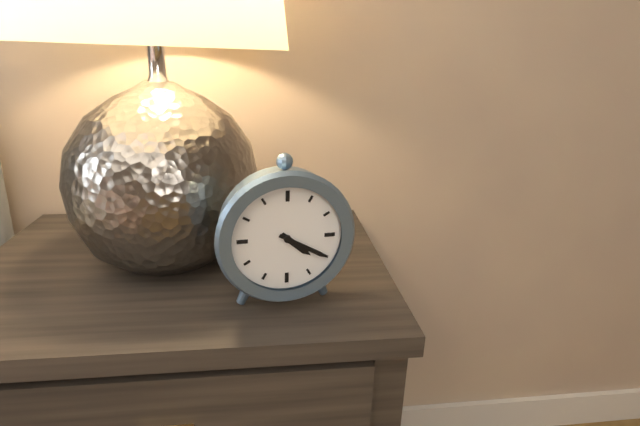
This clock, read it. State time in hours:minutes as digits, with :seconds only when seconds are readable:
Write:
4:20
